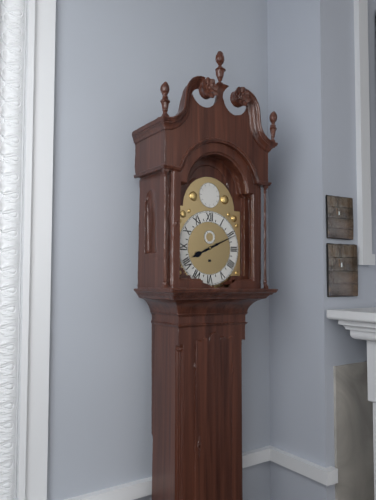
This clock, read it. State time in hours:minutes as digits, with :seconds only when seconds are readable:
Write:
8:11
